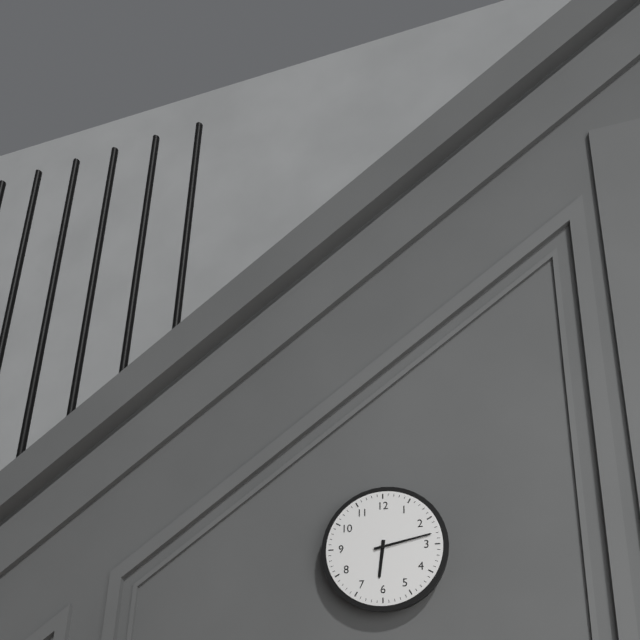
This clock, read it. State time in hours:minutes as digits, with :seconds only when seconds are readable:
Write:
6:13
